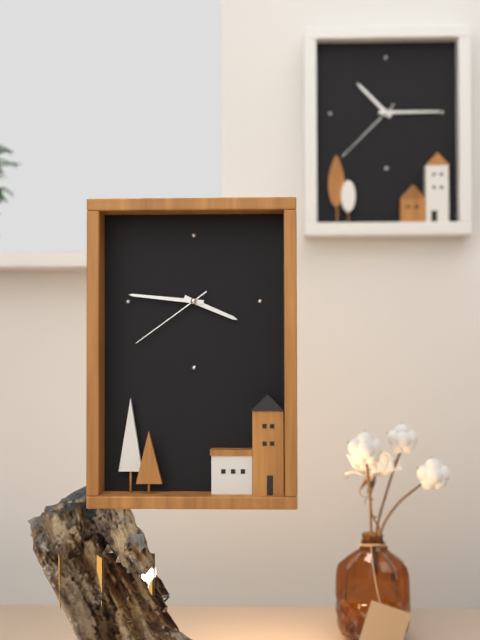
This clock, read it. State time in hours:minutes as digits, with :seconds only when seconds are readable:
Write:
3:46:39
